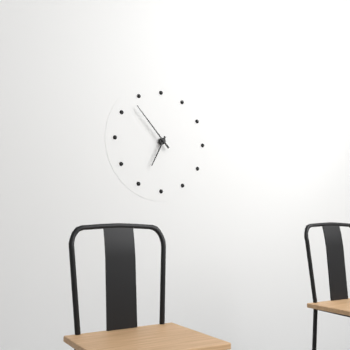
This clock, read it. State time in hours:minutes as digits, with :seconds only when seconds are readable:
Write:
6:53
